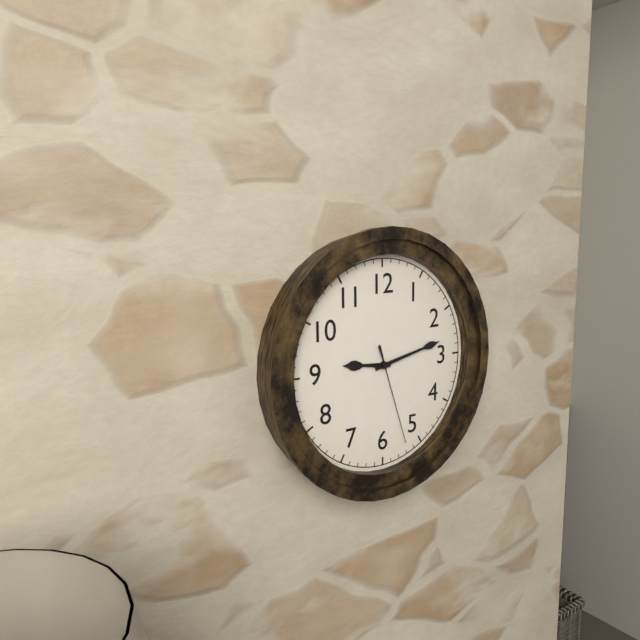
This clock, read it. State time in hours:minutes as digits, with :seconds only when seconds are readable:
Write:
9:13:27
